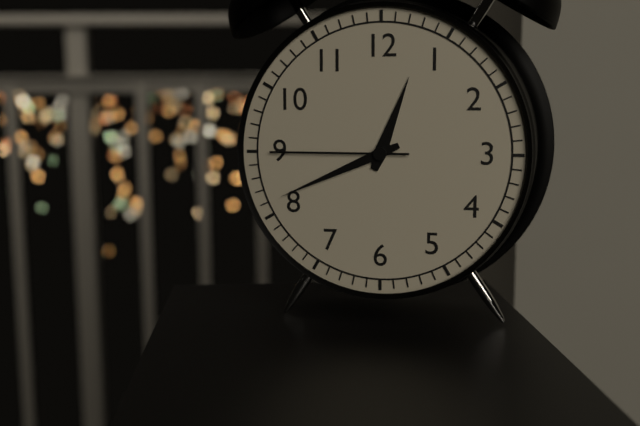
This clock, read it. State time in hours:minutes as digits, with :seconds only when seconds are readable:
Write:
12:41:45
